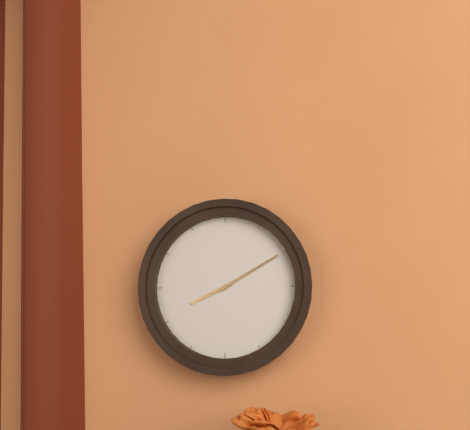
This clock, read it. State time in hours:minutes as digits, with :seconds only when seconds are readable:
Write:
8:10
